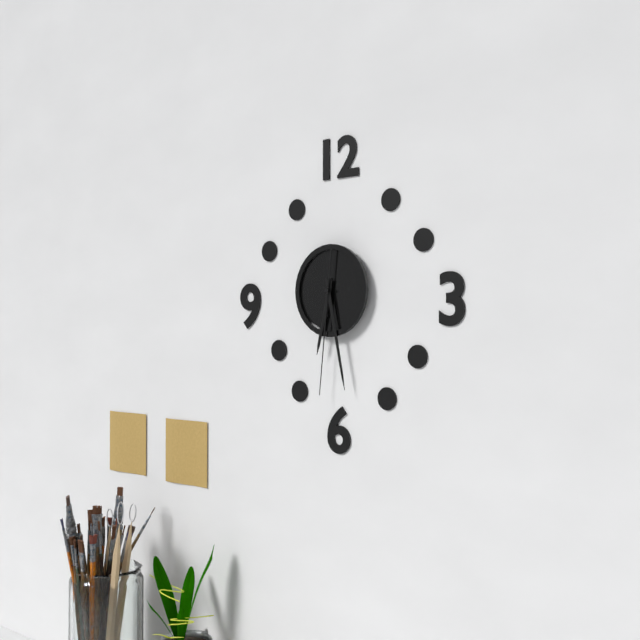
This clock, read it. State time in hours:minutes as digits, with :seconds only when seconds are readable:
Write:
6:28:31
